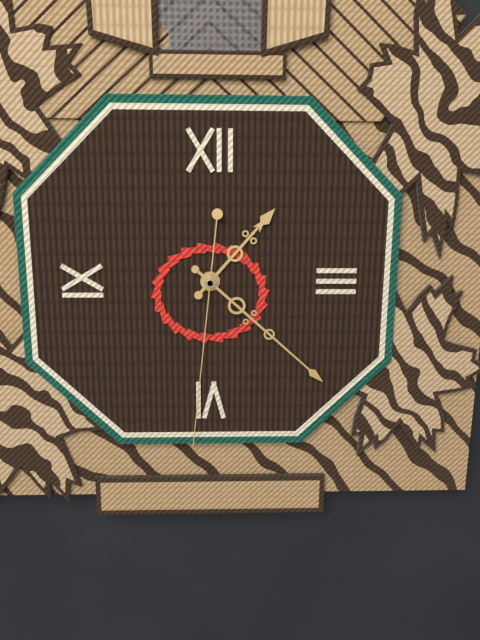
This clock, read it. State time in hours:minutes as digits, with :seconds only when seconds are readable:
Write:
1:22:31
